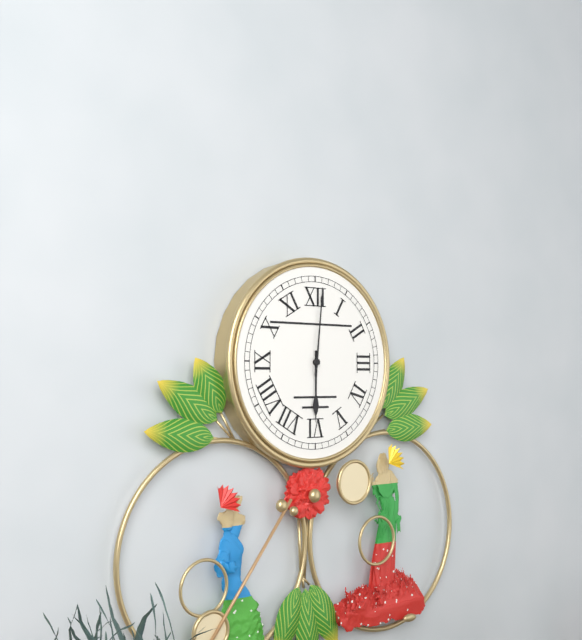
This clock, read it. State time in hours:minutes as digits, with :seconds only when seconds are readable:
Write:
6:01
